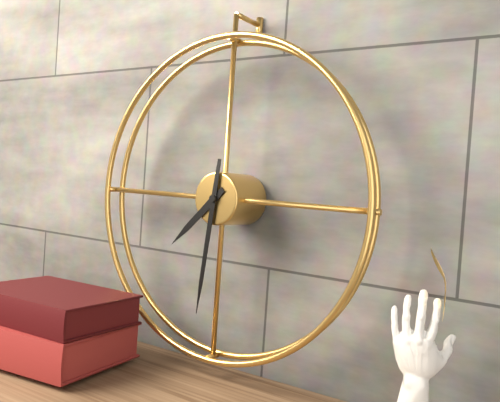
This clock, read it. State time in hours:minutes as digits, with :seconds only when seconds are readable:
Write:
7:31
